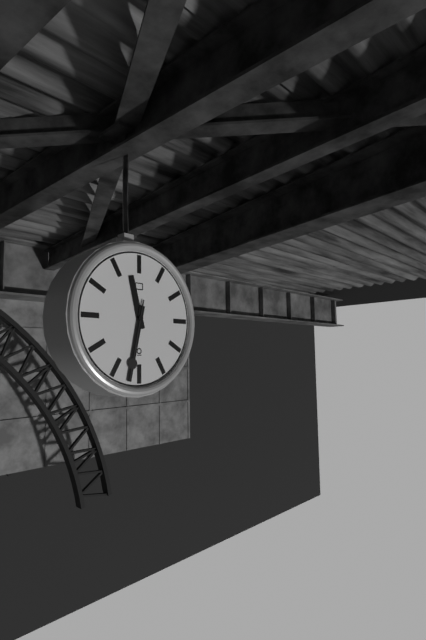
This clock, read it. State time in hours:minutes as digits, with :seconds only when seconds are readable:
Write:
11:32:32
